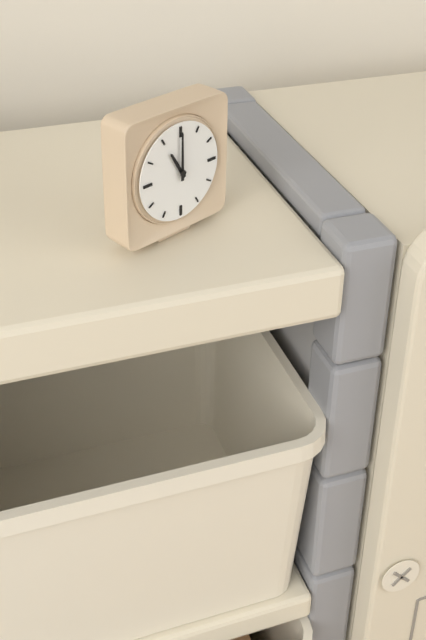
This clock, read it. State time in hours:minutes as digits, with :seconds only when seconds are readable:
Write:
11:00
